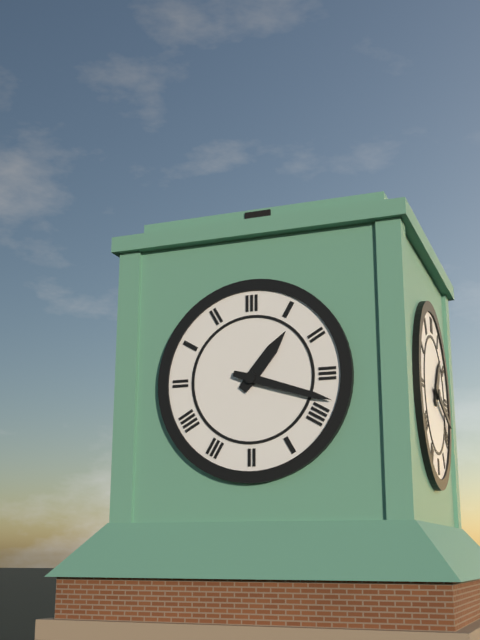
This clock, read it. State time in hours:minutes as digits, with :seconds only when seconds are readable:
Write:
1:18
